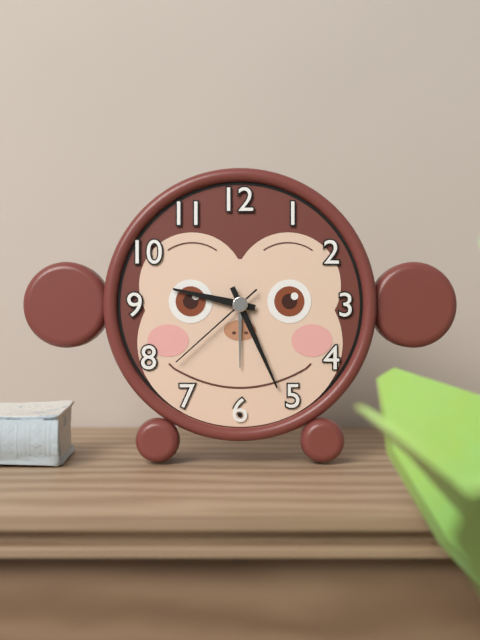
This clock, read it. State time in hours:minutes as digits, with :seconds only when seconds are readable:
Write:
9:26:38
